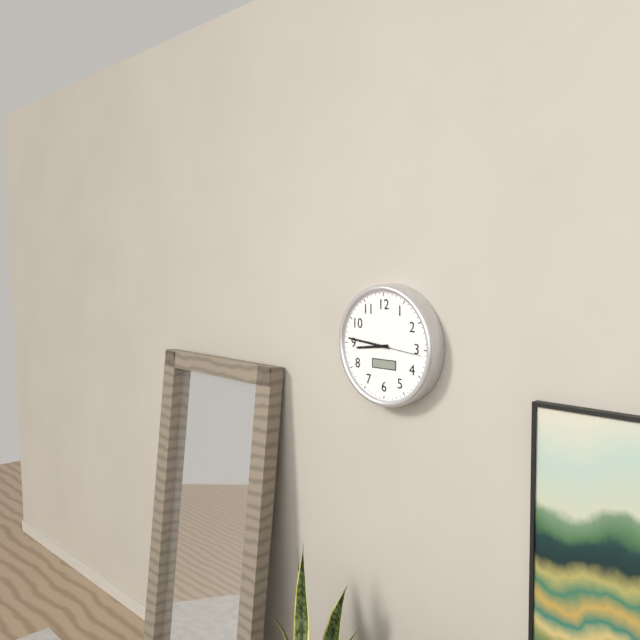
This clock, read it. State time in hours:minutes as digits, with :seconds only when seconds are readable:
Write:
8:46
